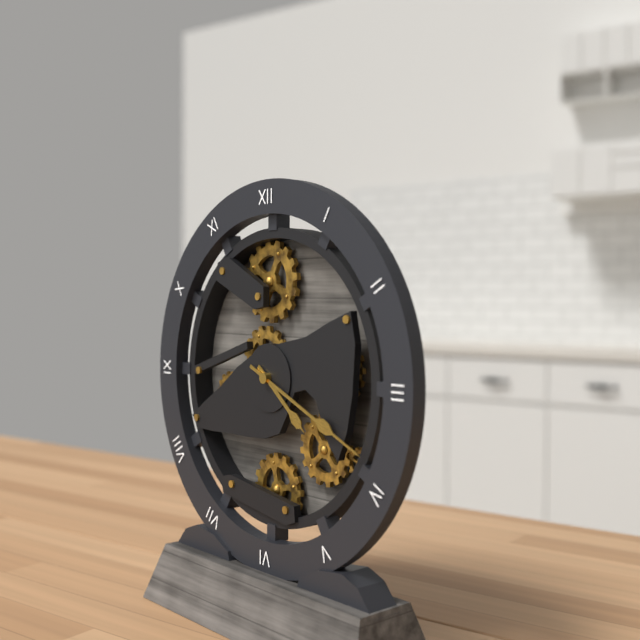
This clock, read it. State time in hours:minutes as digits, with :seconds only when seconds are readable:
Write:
4:19
